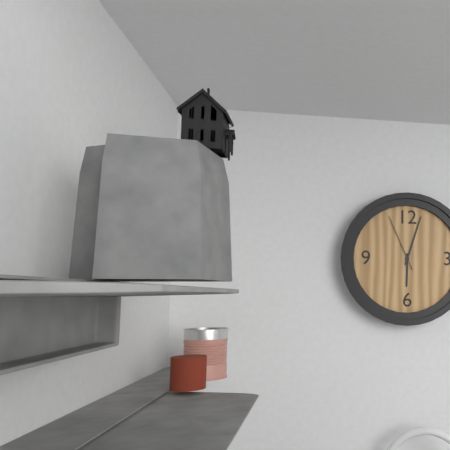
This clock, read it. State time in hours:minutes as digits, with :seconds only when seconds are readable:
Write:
6:03:56
